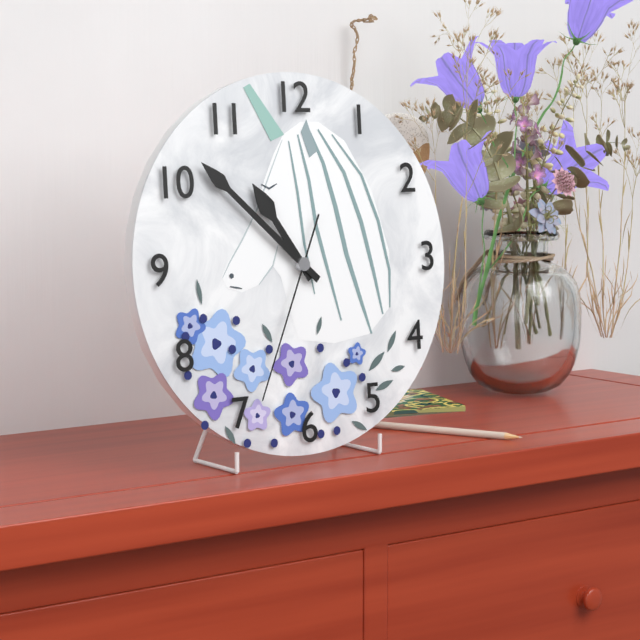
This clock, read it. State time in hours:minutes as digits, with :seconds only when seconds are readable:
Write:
10:52:34
